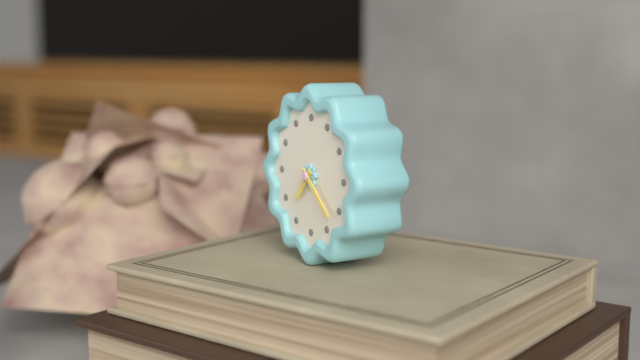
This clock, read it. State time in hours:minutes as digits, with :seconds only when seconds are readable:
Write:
7:22
